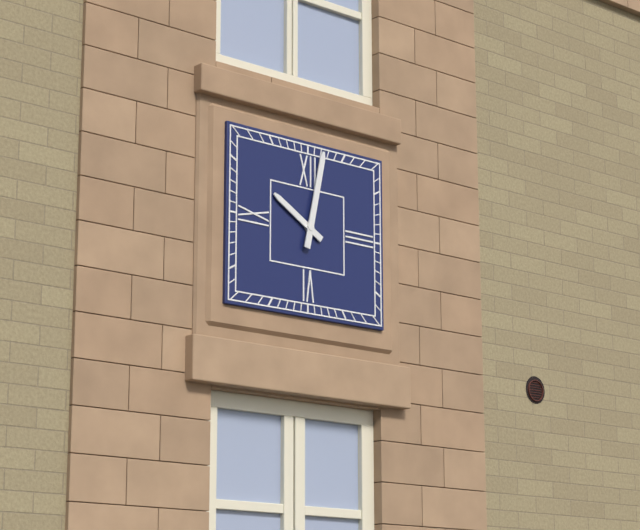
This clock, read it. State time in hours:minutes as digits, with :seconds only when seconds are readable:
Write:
10:02
